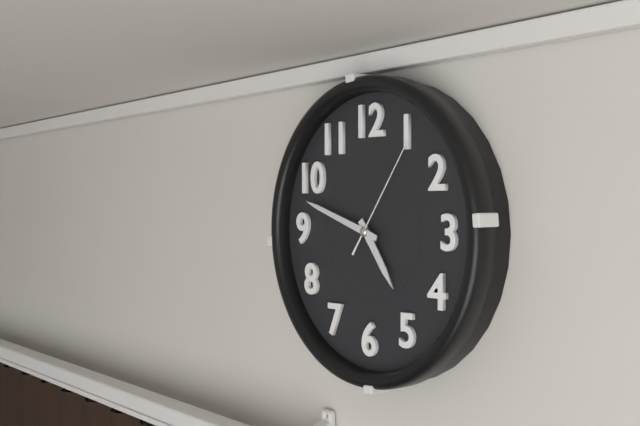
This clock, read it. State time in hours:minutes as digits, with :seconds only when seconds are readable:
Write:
4:48:06
